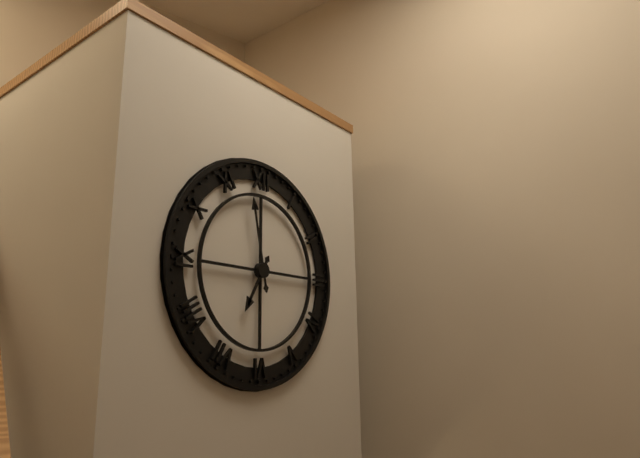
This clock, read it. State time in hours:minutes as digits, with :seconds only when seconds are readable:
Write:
6:58
